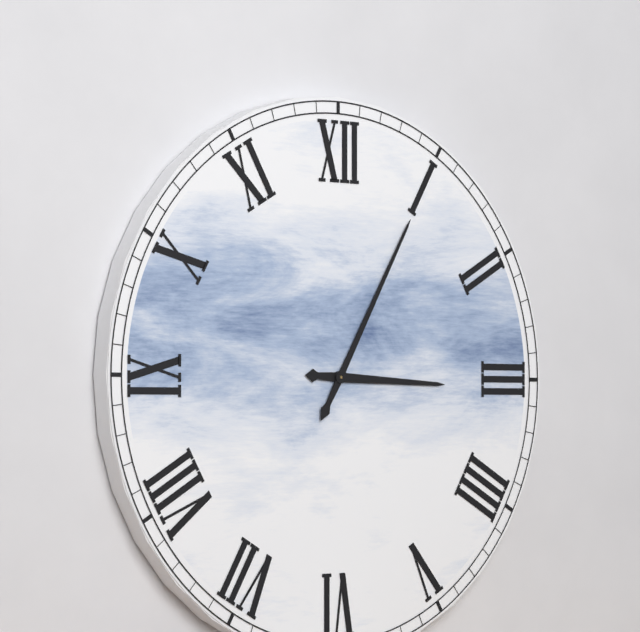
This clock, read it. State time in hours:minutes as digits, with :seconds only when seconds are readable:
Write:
3:05
